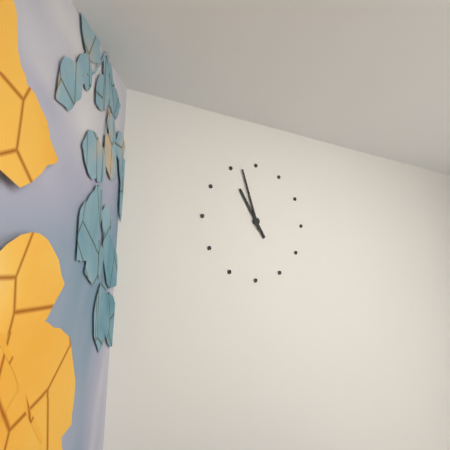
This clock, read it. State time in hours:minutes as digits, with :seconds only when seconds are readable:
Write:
10:57
